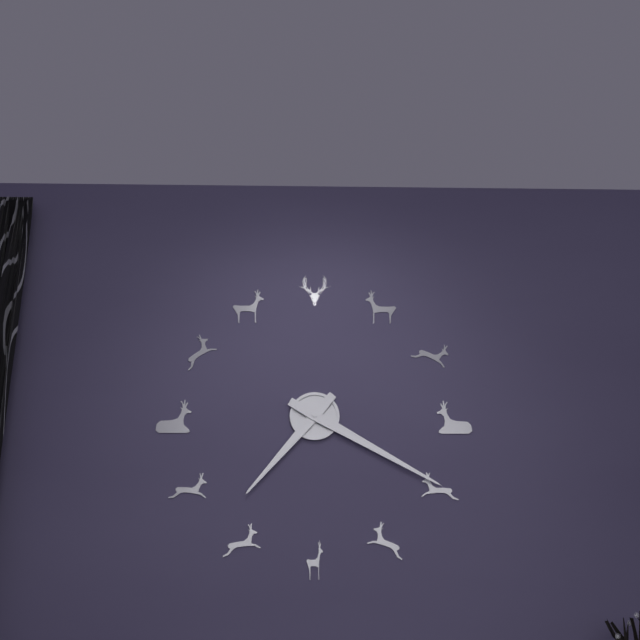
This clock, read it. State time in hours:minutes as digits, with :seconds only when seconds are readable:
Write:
7:20
